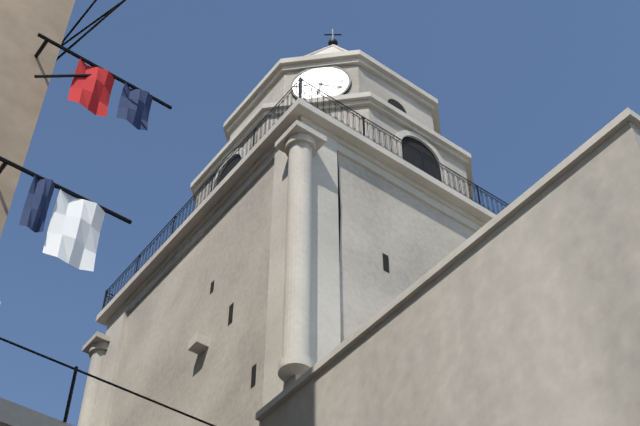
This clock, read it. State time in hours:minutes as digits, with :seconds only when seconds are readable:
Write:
6:19
